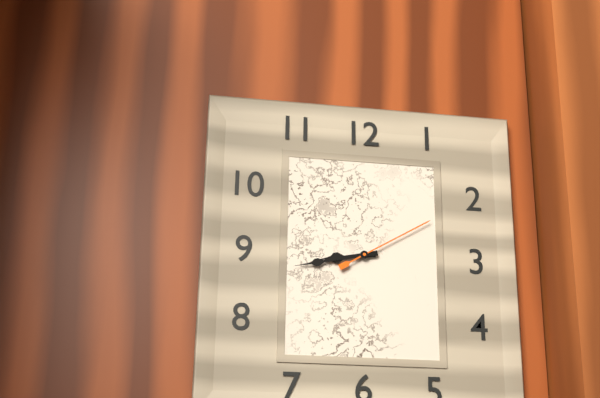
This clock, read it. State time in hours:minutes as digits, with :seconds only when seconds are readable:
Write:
8:43:10
